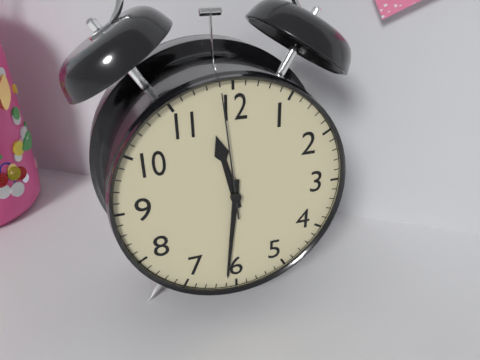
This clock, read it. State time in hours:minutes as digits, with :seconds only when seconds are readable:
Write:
11:31:59
